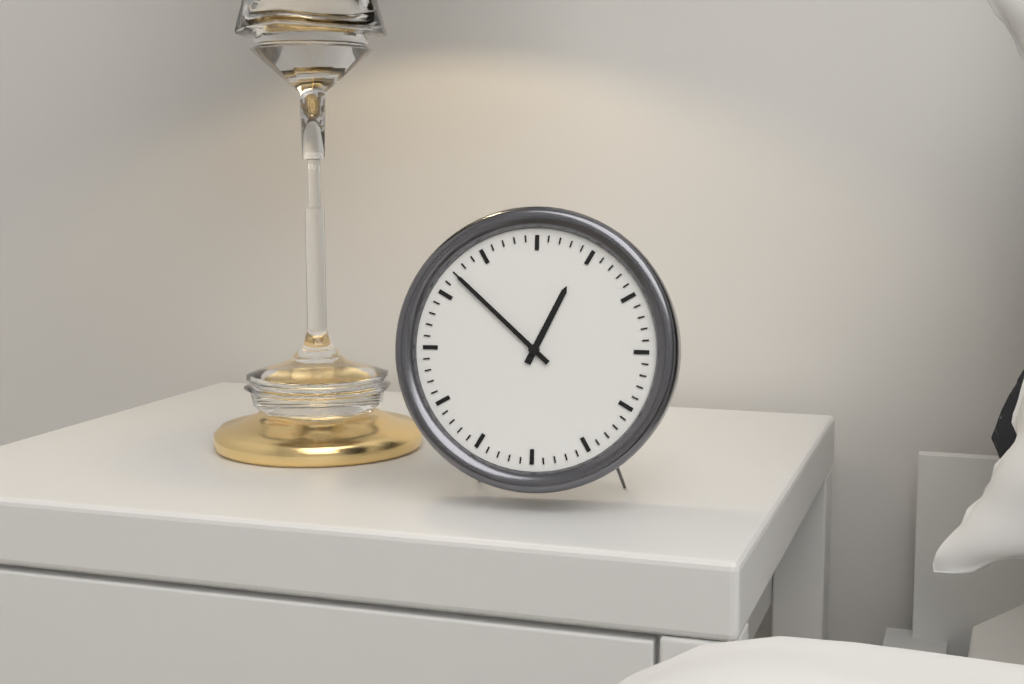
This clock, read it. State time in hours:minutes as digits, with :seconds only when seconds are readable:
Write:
12:52
